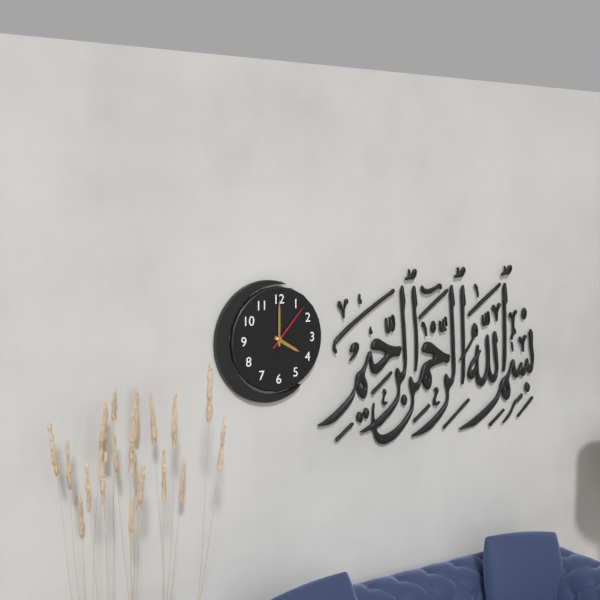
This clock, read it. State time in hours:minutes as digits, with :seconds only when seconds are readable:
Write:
4:00:07
